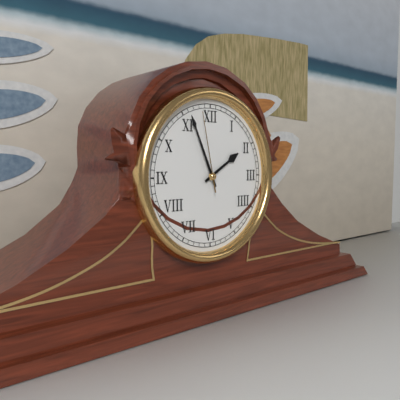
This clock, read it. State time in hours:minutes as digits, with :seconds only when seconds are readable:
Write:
1:56:58
